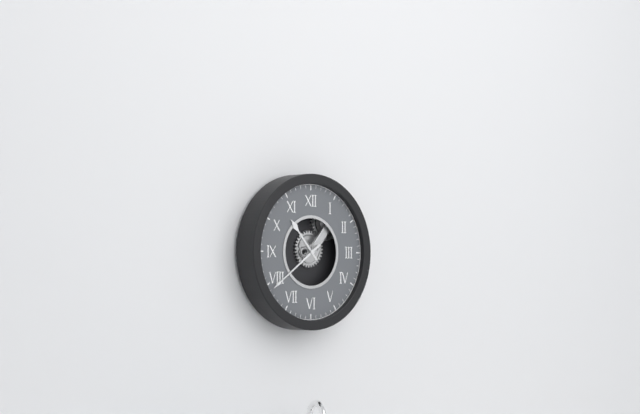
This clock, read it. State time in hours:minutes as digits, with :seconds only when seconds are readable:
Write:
10:39
